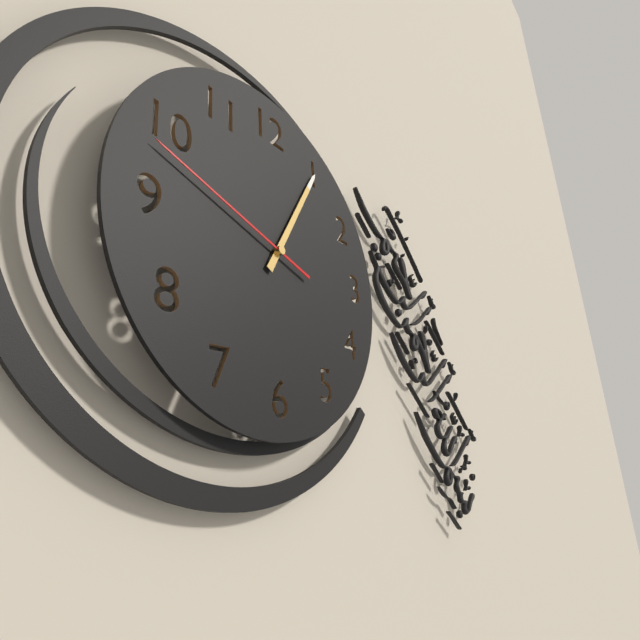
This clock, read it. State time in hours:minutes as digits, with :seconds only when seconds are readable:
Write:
1:05:48
